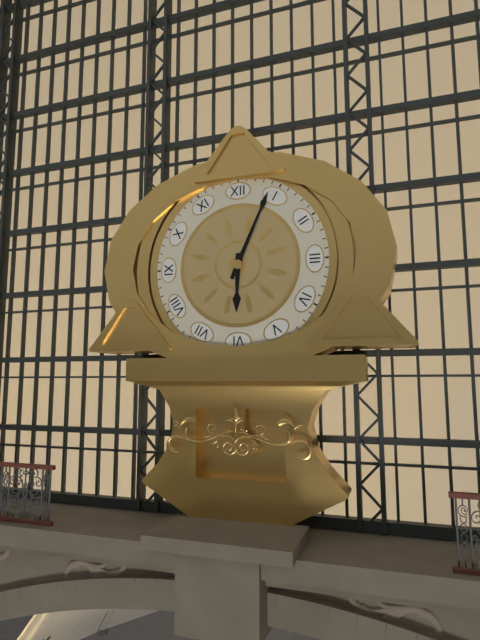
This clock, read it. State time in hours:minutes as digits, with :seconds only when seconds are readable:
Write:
6:04
